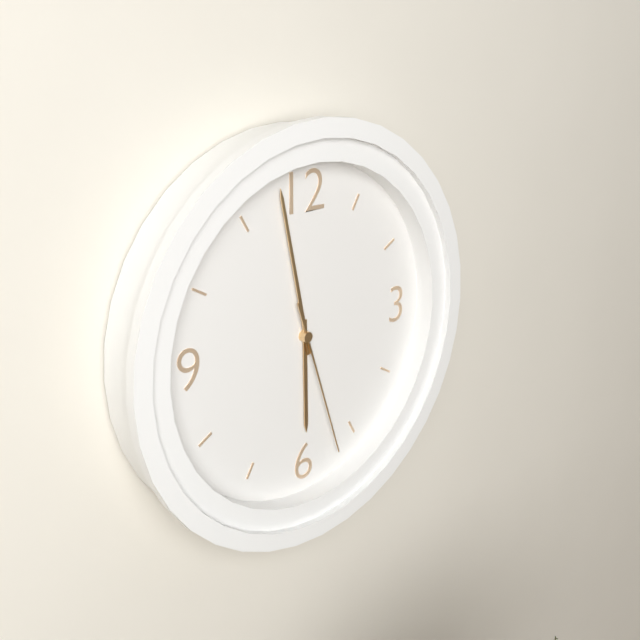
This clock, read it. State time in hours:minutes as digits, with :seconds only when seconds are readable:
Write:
5:58:27
